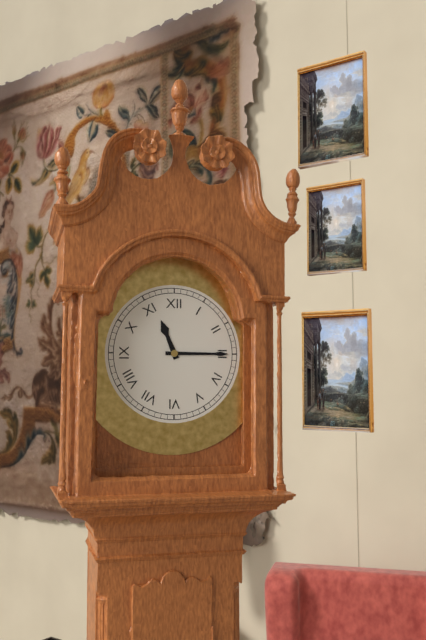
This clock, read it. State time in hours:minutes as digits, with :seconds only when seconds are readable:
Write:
11:15
